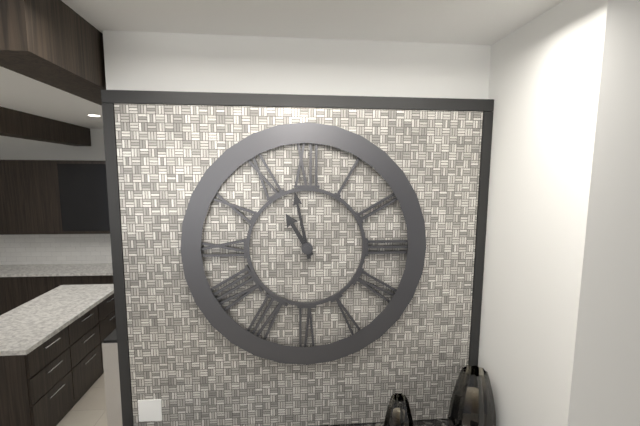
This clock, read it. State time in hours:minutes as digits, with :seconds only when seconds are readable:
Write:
10:58
